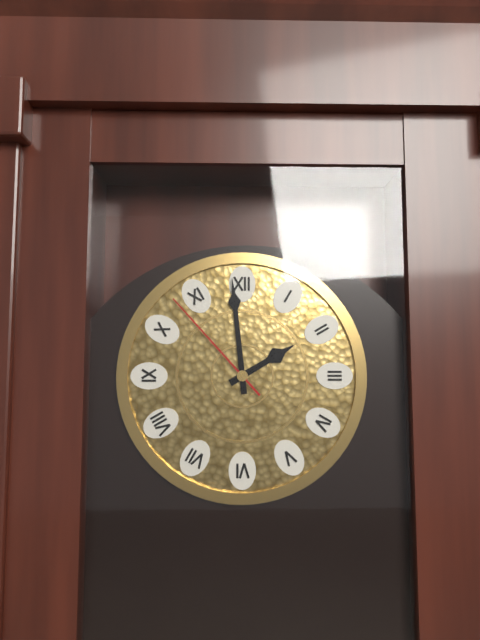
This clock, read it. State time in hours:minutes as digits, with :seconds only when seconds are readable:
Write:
1:59:53
